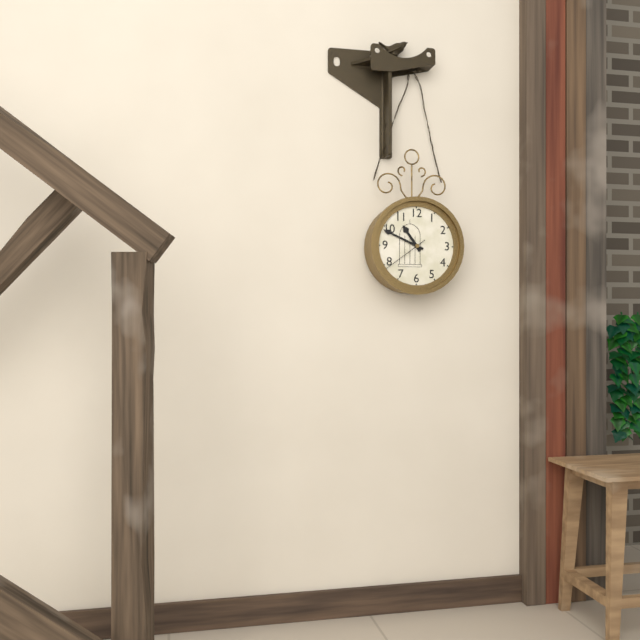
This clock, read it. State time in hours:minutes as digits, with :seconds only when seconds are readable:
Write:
10:49
